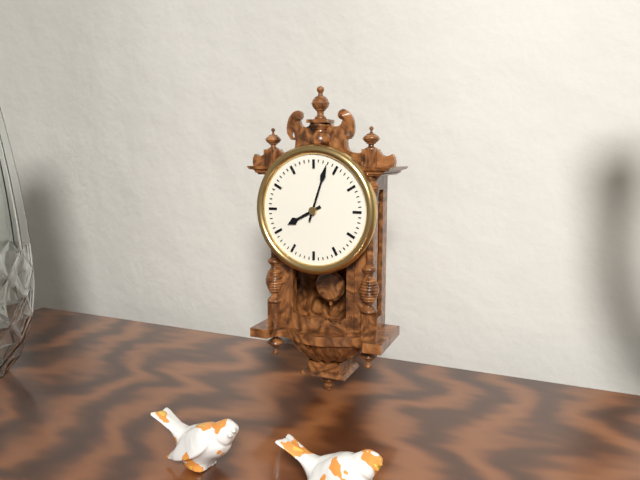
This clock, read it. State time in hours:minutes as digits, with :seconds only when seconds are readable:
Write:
8:03
